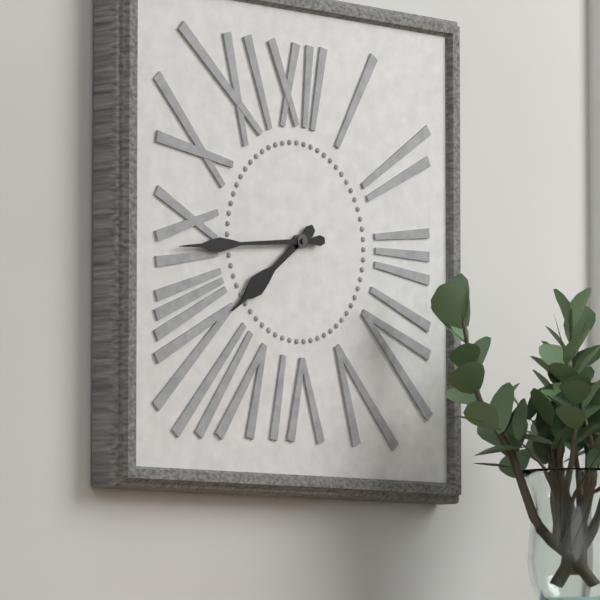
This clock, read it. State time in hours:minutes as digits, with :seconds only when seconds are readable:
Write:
7:44
